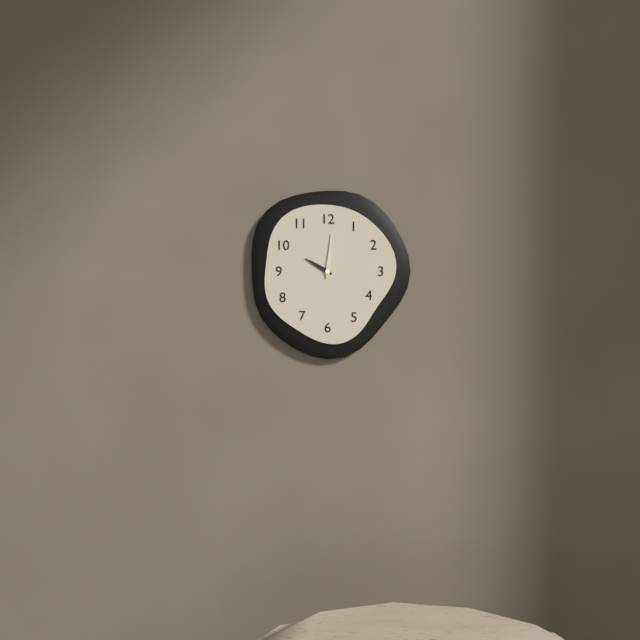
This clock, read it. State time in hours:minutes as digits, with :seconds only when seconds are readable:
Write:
10:01
